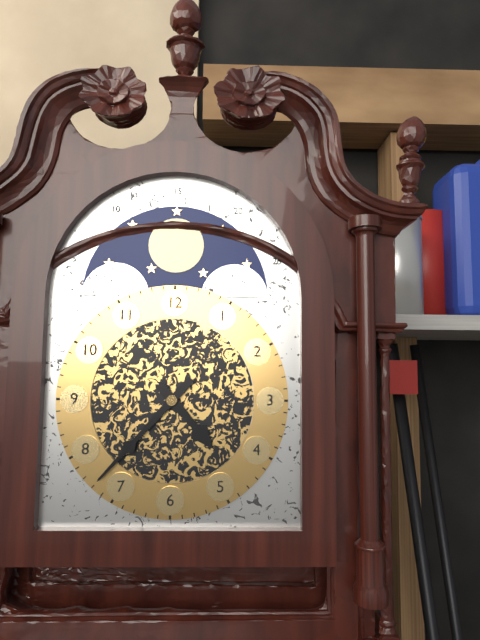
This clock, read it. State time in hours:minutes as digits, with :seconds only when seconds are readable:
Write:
4:37
